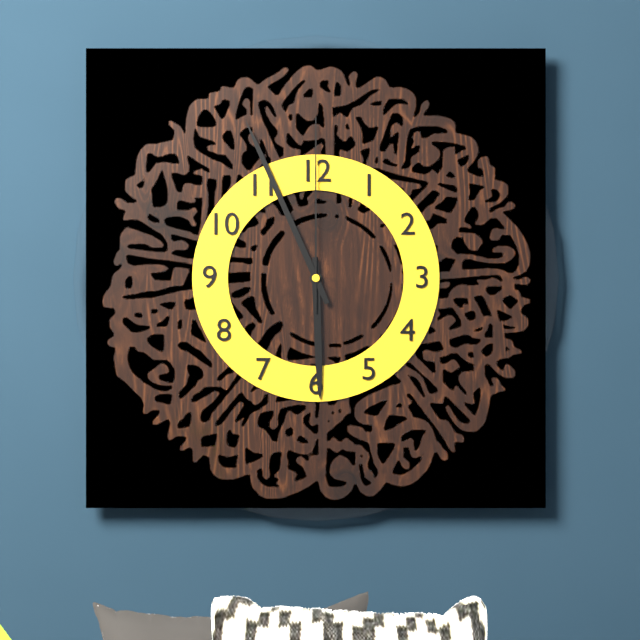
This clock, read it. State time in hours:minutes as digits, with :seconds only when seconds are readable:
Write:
5:56:00
